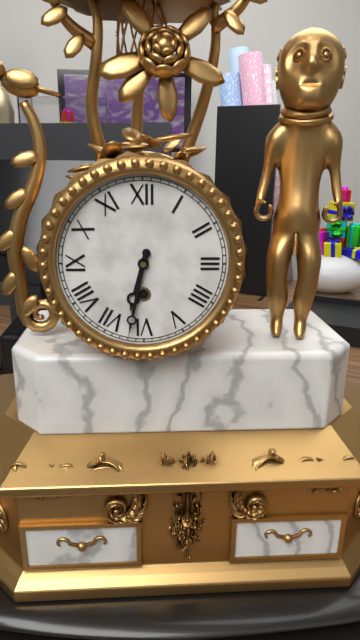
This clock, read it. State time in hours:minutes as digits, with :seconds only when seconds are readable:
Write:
6:32
